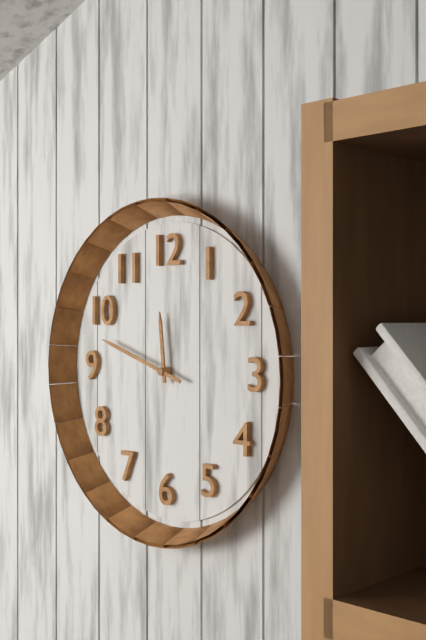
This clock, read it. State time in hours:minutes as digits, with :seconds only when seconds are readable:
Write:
11:48
